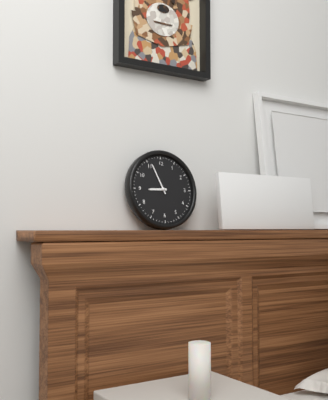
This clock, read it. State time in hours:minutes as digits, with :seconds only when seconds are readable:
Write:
8:56
